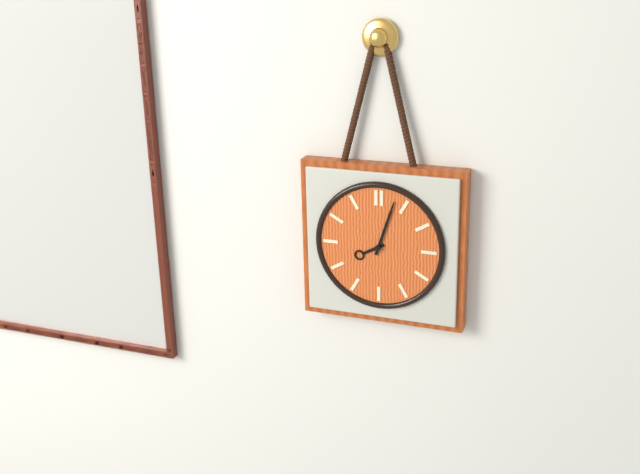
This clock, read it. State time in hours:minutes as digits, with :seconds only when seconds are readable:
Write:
8:03
